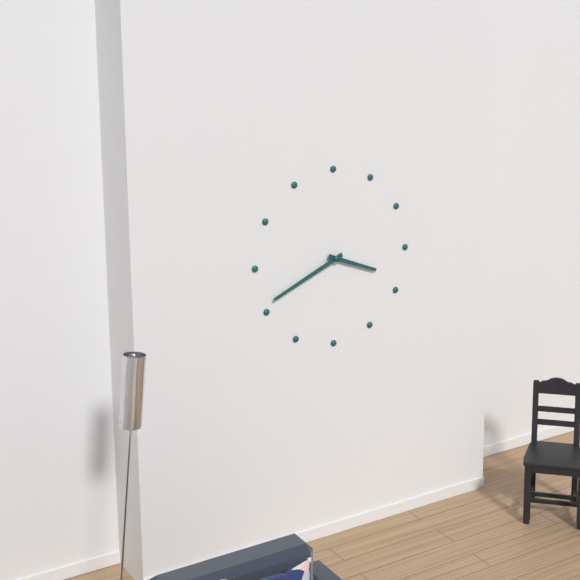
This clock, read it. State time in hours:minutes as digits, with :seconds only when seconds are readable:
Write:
3:41
